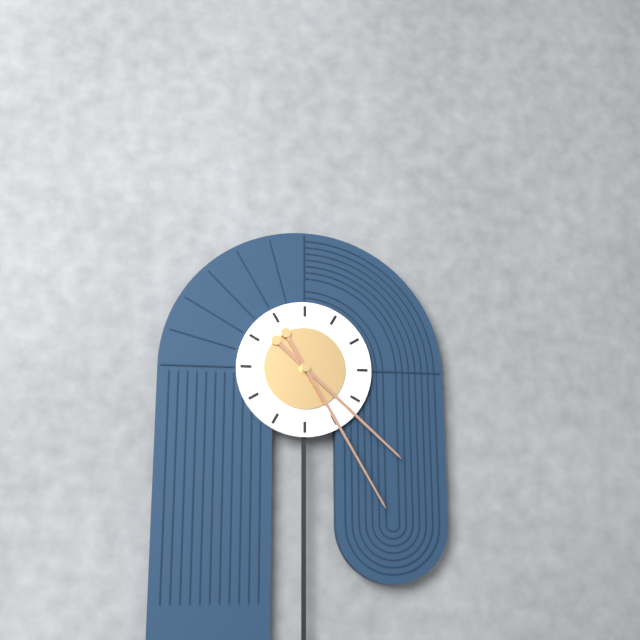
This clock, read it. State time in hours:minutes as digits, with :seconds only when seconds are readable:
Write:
4:25
